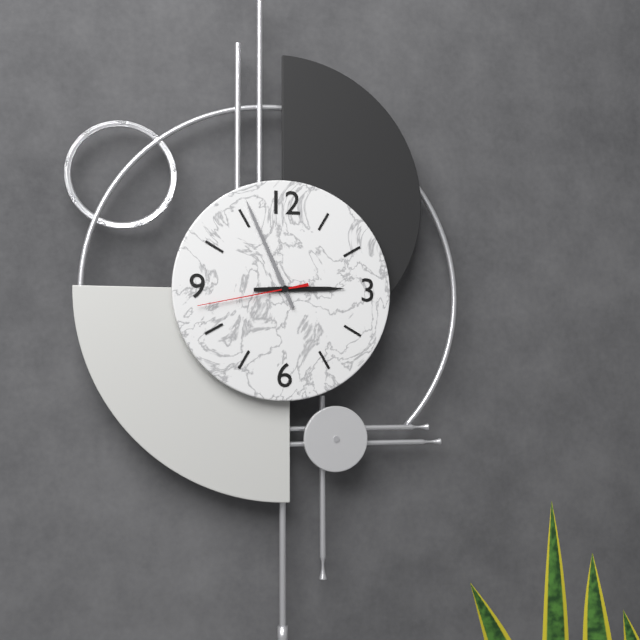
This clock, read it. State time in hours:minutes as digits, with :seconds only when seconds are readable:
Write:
2:56:43
